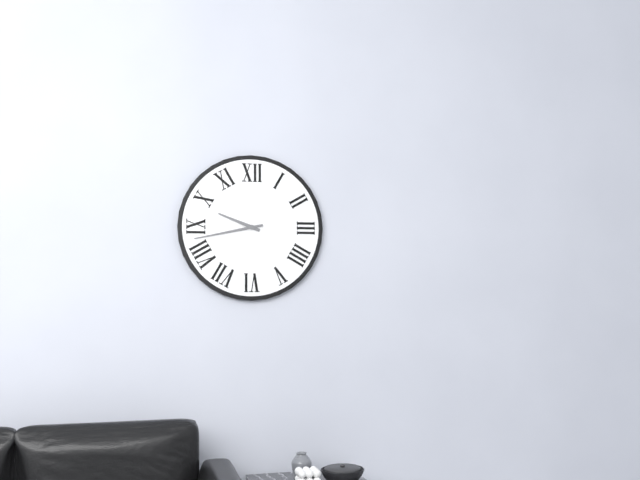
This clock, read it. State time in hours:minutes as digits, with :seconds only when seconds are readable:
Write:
9:43
